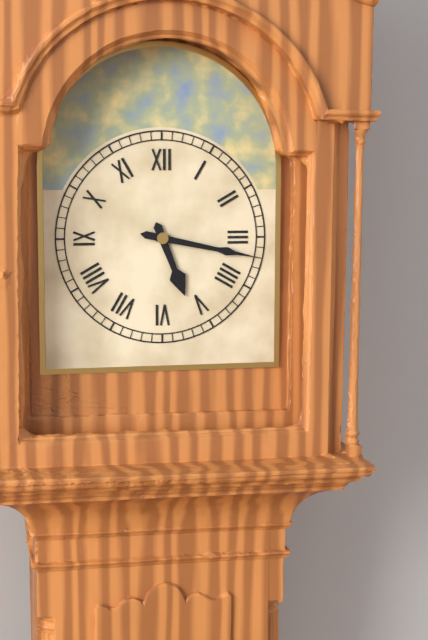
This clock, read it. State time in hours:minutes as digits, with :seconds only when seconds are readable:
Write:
5:17
